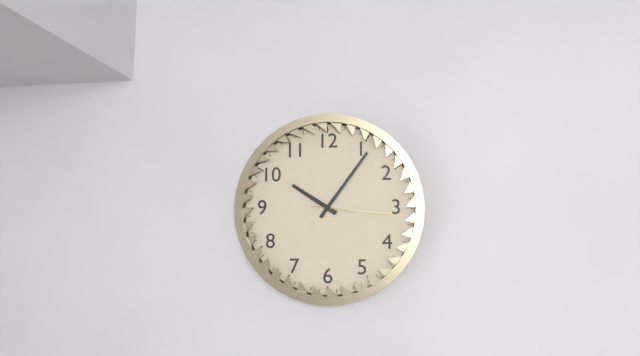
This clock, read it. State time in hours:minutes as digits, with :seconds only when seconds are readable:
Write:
10:06:16
